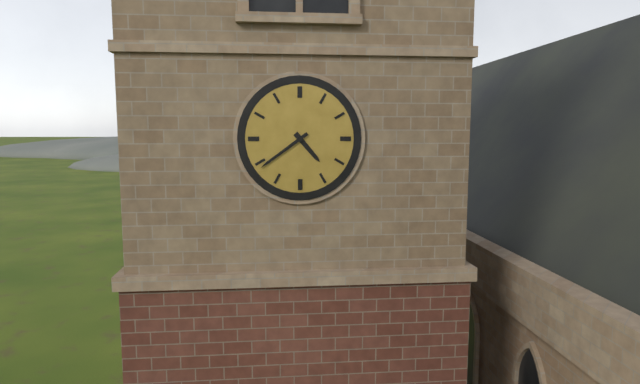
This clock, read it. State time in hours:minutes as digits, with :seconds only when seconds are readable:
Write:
4:39
